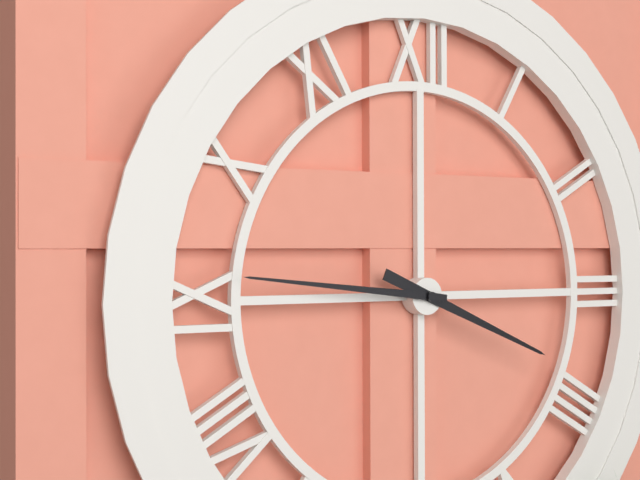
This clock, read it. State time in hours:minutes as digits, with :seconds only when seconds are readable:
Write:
3:46
